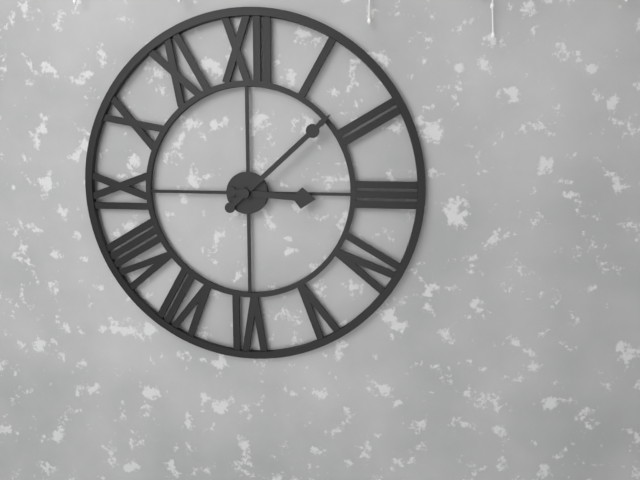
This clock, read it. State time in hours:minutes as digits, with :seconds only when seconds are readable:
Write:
3:08
